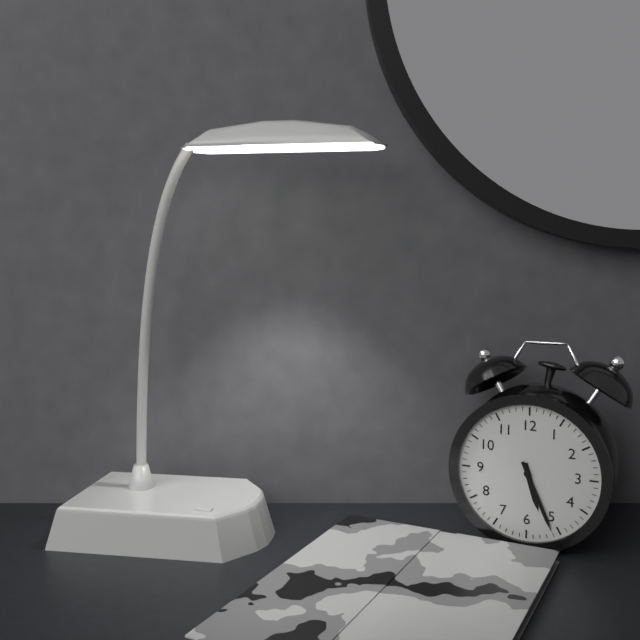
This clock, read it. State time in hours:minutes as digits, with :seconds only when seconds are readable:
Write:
5:26
